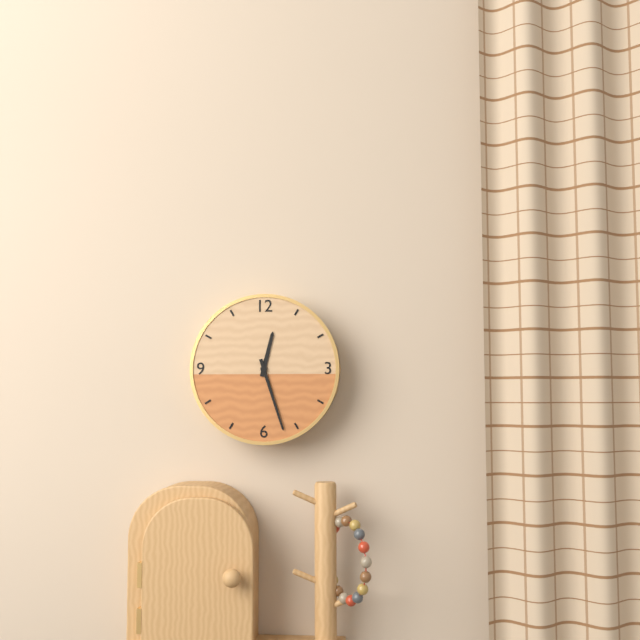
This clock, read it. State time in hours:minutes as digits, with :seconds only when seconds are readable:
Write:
12:27
